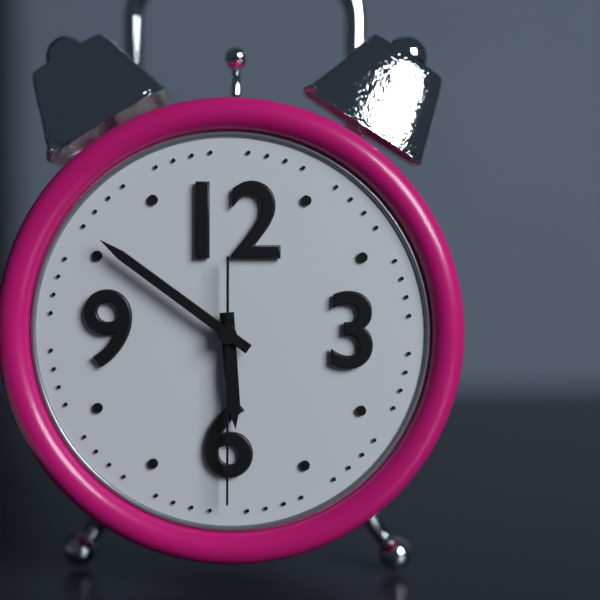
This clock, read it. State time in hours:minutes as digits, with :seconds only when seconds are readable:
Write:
5:51:30
